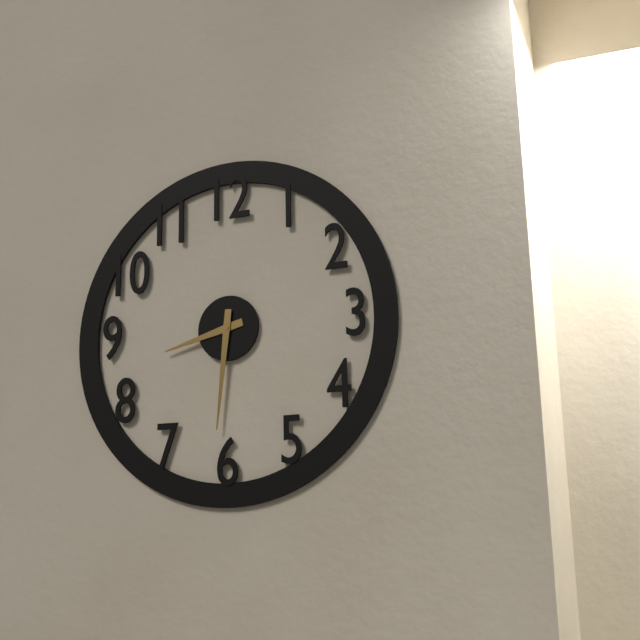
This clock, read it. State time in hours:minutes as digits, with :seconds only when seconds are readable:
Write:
8:31
